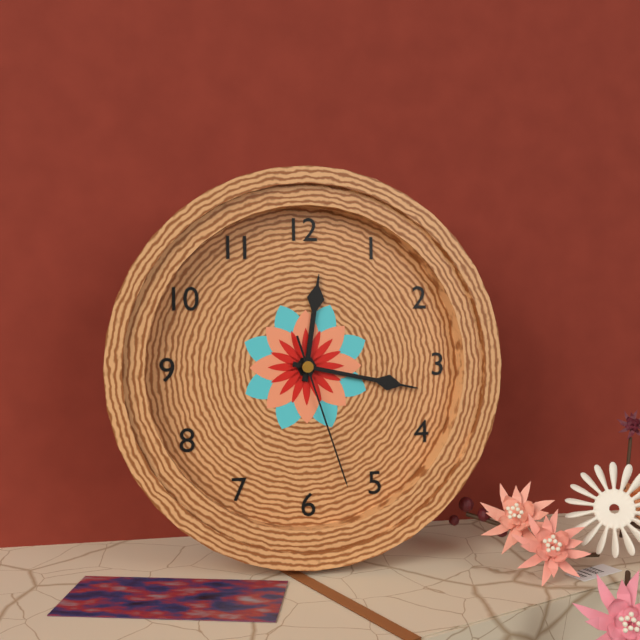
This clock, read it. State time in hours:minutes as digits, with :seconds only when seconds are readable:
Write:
12:17:27
